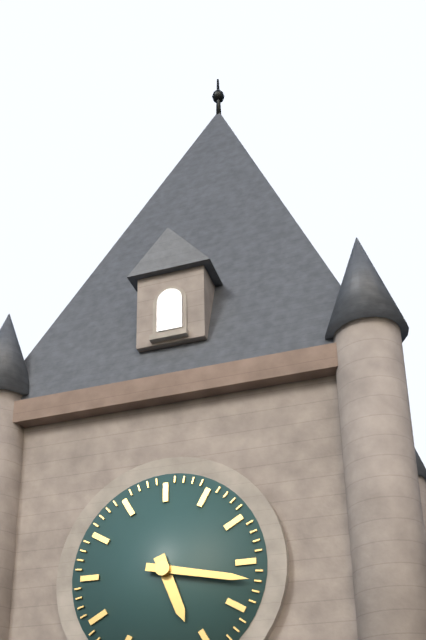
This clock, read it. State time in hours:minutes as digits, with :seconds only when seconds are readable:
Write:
5:17
